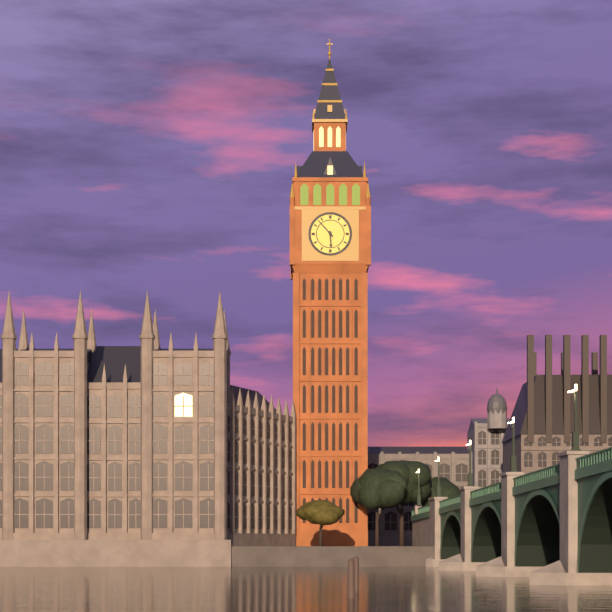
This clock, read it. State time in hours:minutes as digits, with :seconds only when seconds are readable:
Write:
5:53
